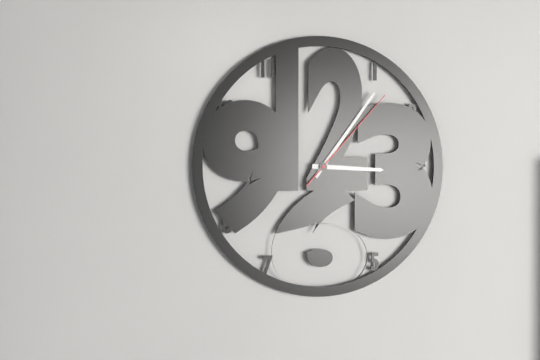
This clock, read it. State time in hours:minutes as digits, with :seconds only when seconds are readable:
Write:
3:06:07
